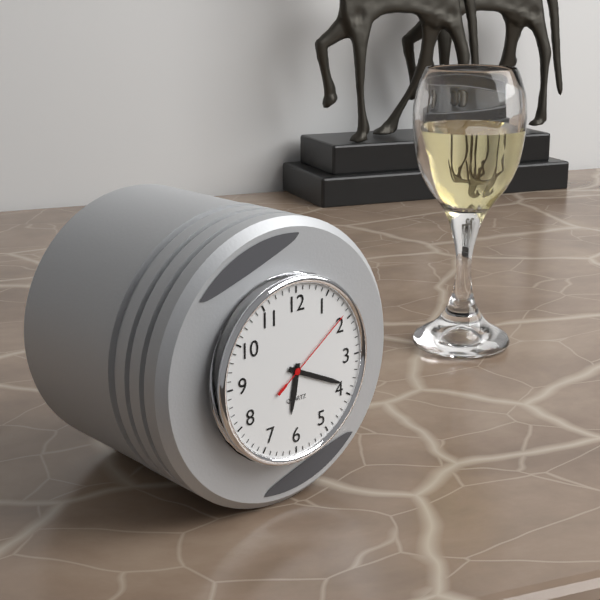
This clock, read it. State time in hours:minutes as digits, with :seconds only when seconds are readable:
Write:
6:19:09
